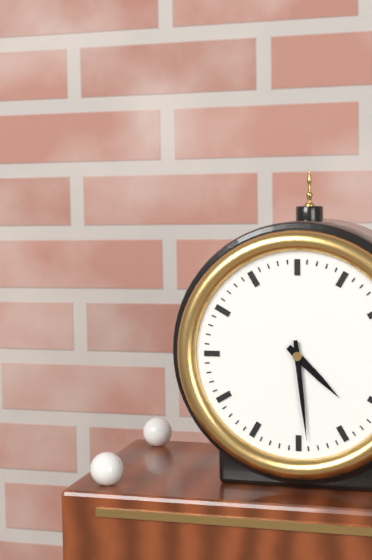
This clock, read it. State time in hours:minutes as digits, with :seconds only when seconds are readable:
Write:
4:29
